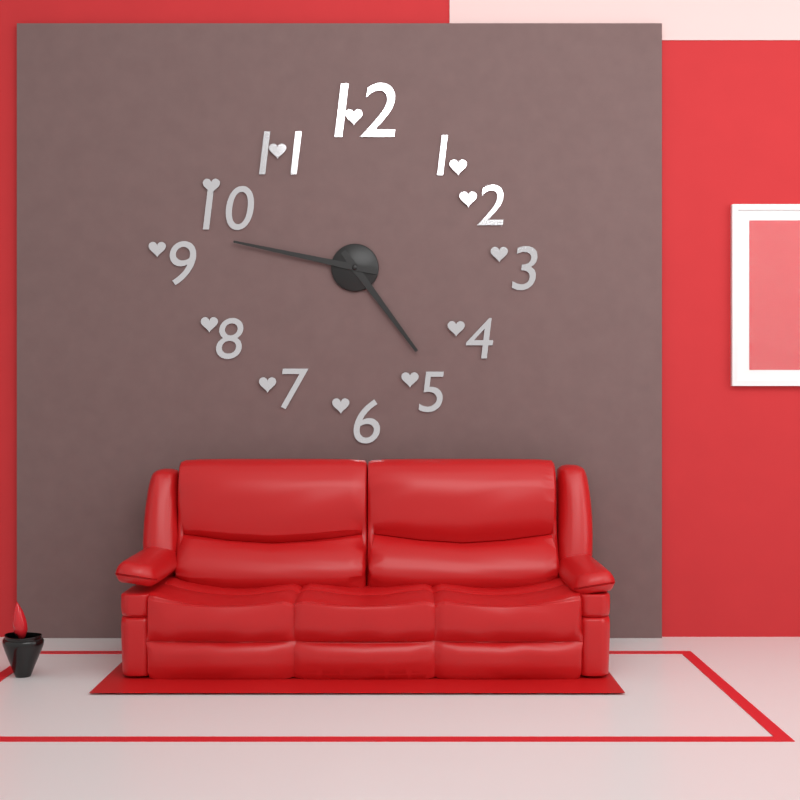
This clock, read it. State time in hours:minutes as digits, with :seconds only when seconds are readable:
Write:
4:47
